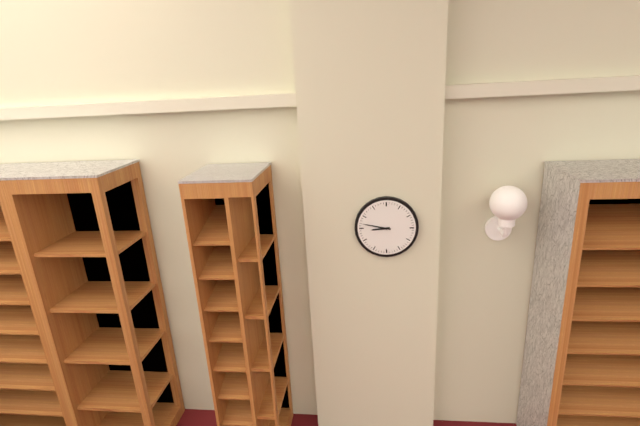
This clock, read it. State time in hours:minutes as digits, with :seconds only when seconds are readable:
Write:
8:47
